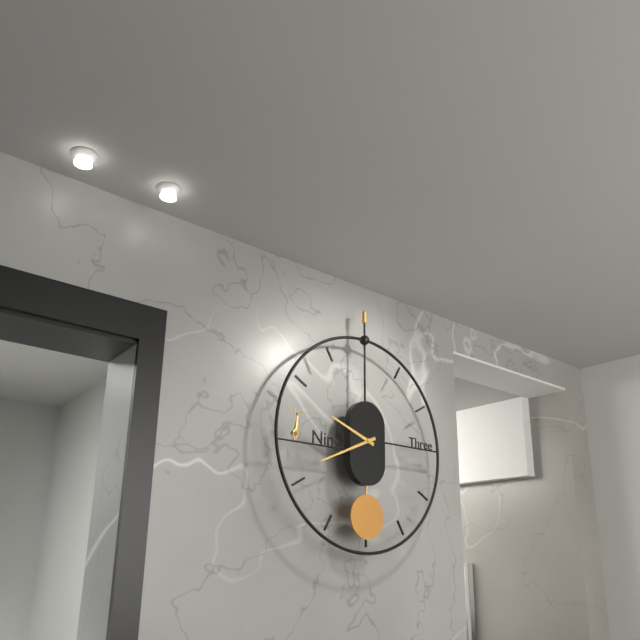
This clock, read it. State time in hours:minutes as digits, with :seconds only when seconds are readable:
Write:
9:41
